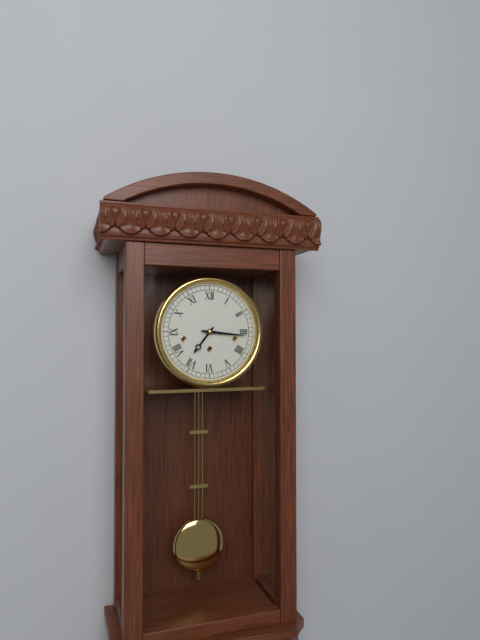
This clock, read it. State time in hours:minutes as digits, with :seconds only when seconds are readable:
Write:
7:16
